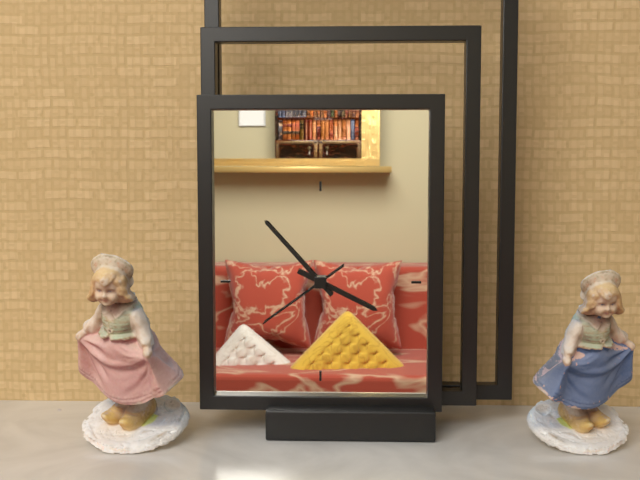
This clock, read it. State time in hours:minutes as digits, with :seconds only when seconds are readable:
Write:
3:53:39
